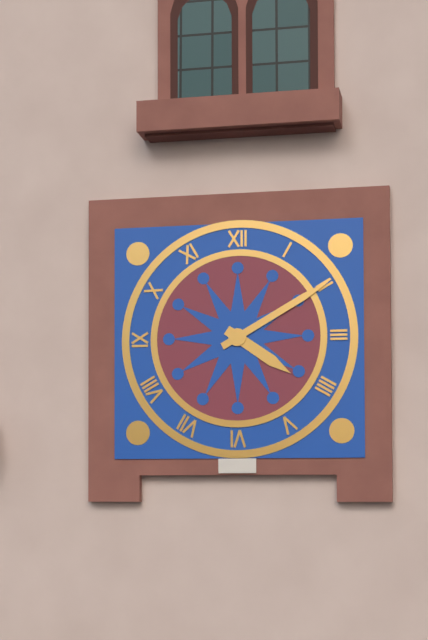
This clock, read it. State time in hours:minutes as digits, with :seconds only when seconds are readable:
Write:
4:10
